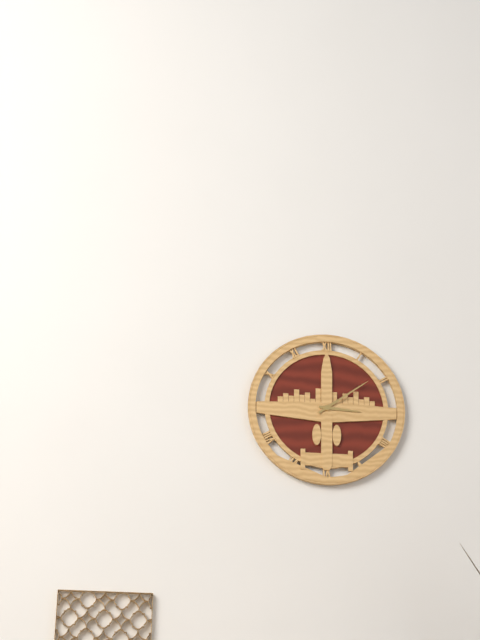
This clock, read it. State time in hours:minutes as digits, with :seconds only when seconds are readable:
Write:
3:09
